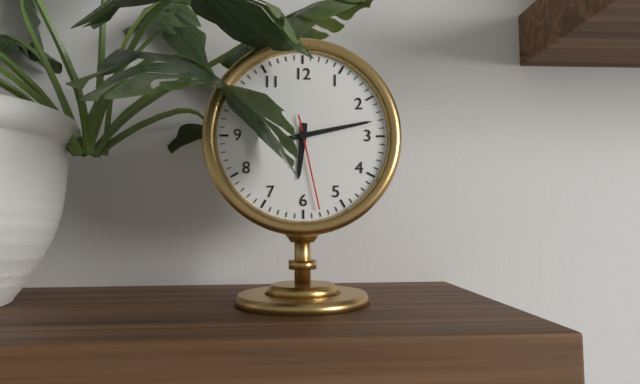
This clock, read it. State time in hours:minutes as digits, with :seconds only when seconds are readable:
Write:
6:13:28
